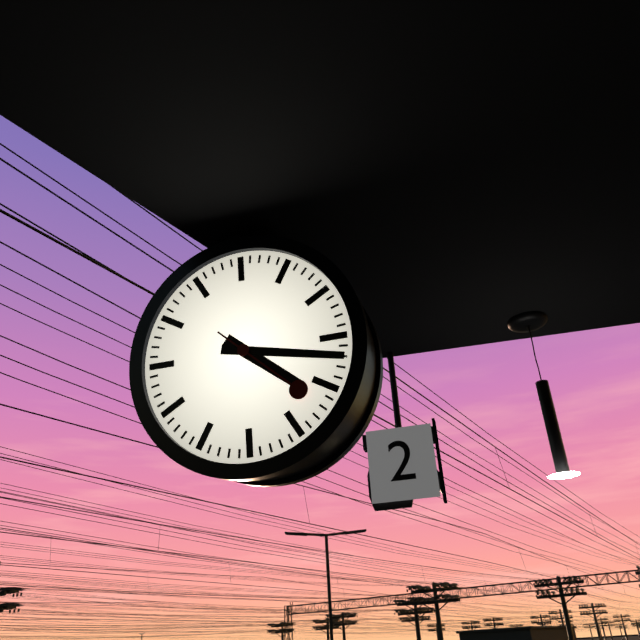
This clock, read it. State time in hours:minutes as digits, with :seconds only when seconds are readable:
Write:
4:17:22
